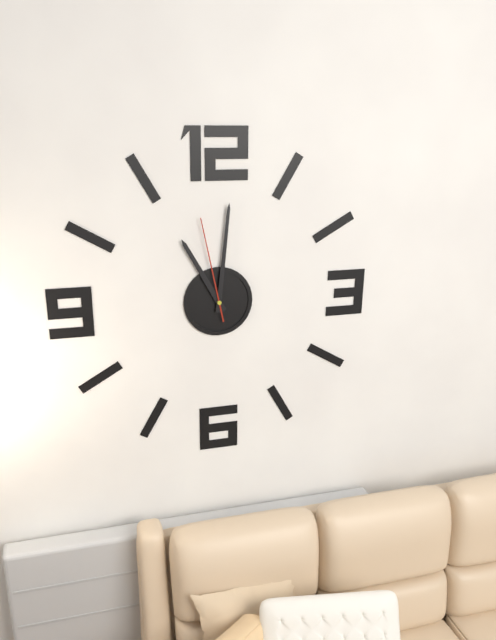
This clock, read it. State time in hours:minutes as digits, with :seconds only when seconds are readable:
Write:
11:01:58
